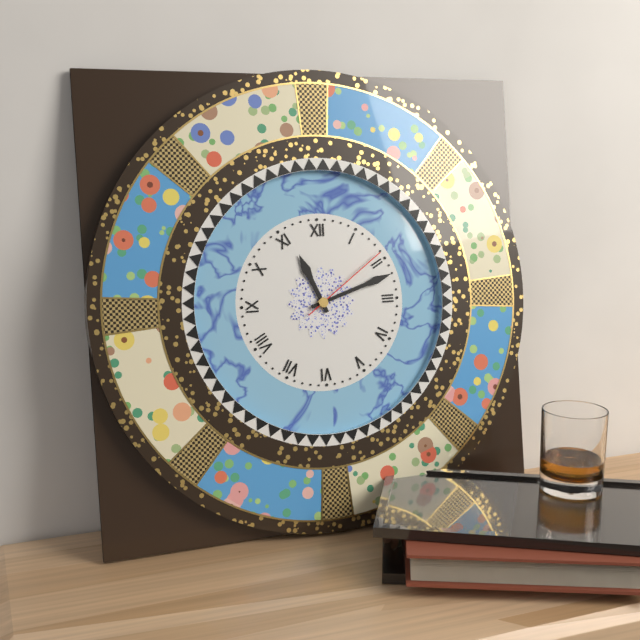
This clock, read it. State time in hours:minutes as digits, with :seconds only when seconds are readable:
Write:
11:12:09
